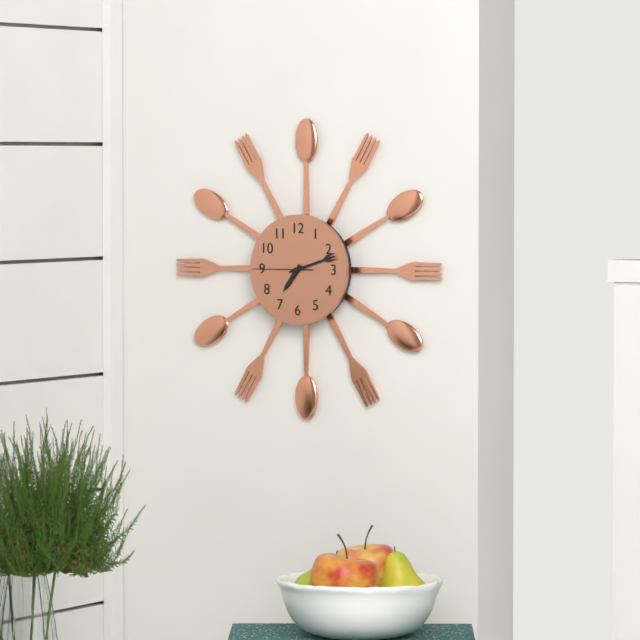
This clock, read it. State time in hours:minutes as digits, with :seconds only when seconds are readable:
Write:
7:12:45
